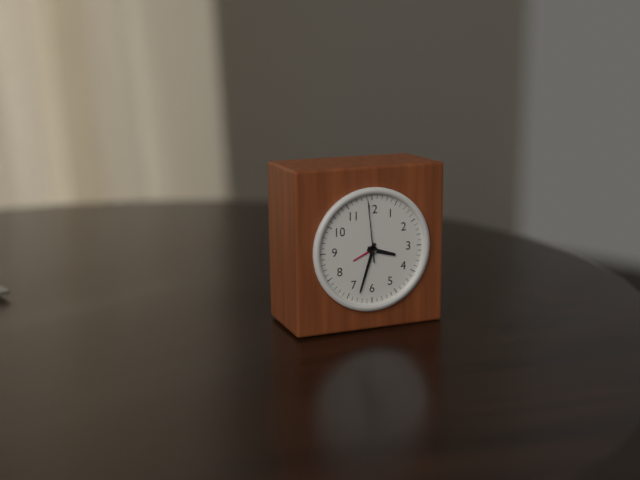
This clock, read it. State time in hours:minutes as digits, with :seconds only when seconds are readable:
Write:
3:33:59
